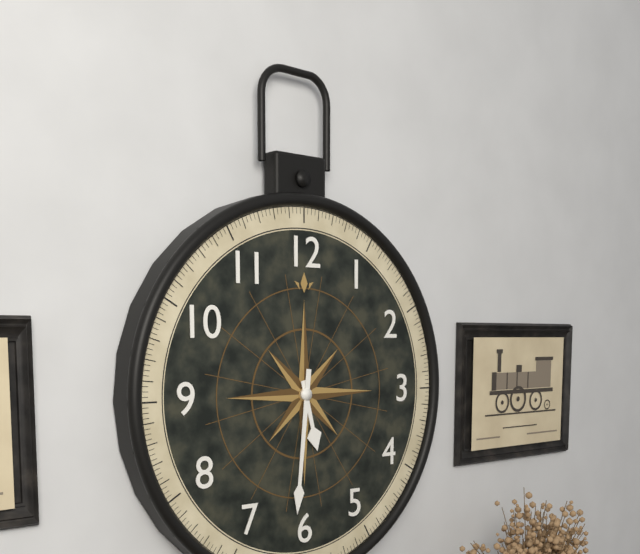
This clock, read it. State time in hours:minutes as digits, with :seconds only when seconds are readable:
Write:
5:31
